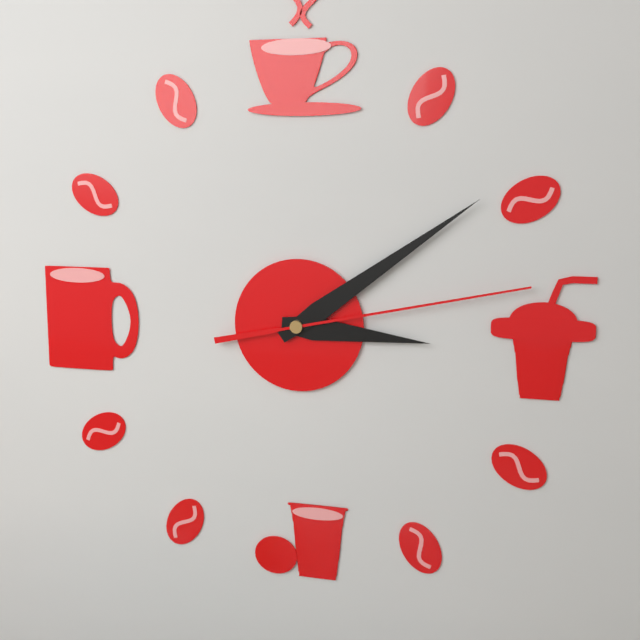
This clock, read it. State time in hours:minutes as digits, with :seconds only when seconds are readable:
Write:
3:09:13
